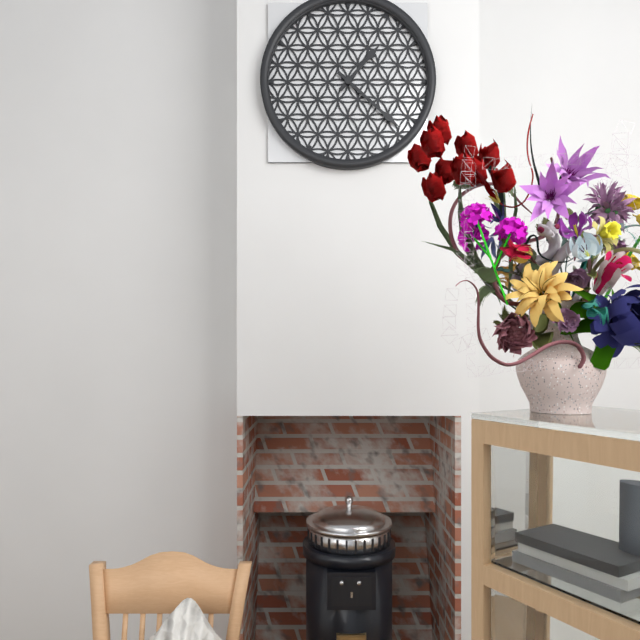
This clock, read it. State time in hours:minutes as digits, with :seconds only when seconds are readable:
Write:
1:22
